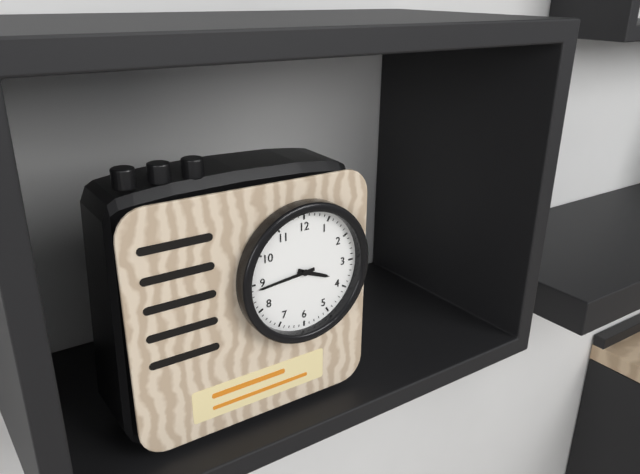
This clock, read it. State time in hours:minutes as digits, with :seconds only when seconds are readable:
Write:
3:44
